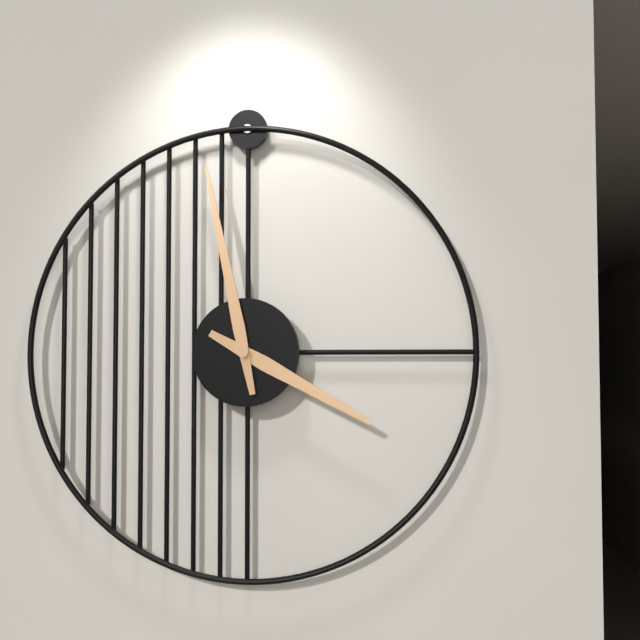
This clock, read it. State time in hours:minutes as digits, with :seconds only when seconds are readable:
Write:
3:58
